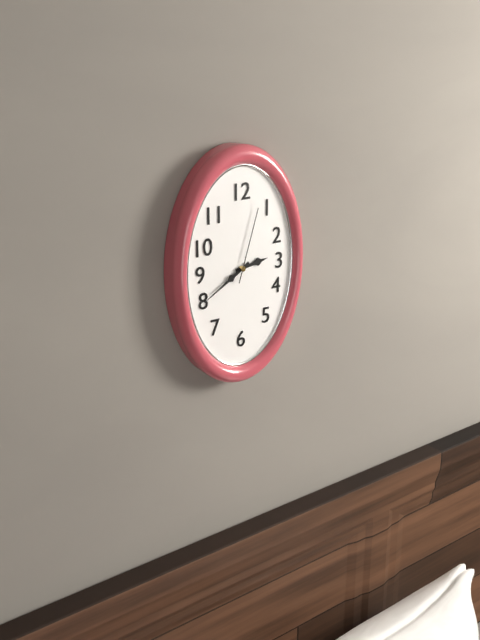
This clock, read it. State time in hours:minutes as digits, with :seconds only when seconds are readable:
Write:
2:40:03
